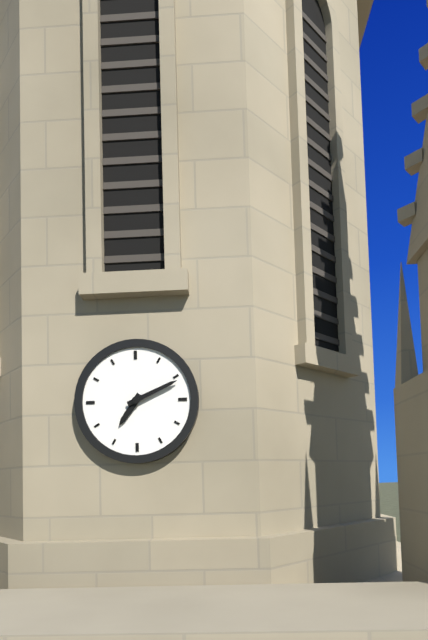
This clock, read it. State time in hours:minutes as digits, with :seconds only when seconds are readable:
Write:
7:11
